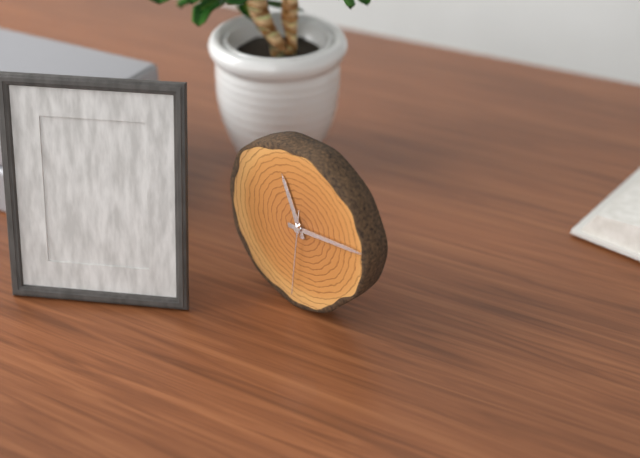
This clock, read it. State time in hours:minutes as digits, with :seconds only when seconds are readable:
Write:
11:14:31
